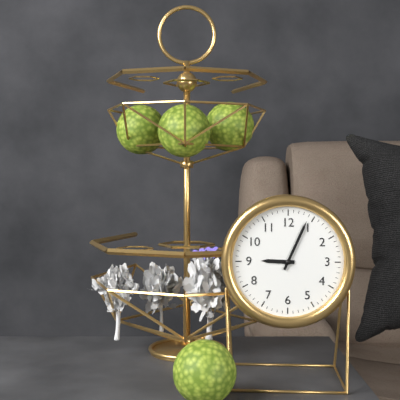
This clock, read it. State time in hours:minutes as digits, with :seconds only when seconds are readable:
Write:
9:04
